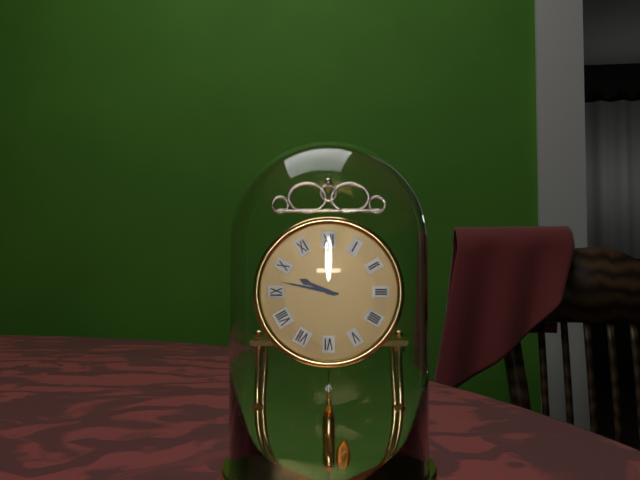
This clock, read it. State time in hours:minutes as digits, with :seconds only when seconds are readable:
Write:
9:47
